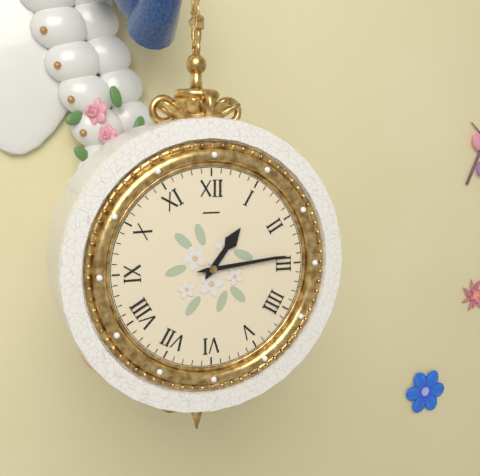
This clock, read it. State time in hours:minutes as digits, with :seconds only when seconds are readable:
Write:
1:14
